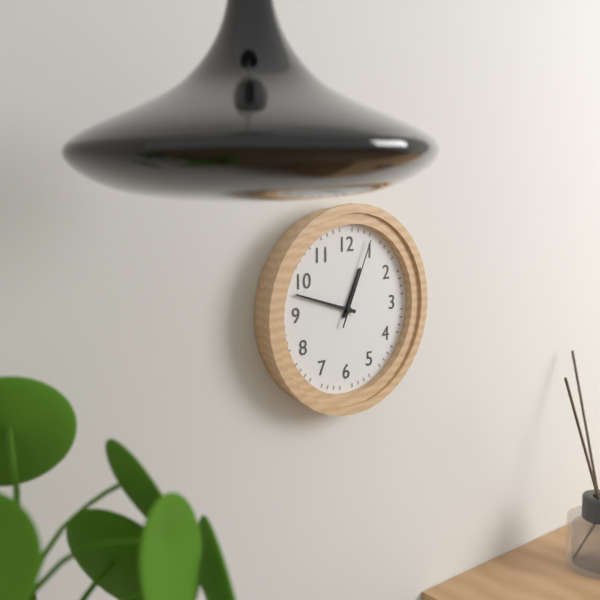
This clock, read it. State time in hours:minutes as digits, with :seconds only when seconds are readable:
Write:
12:48:04
